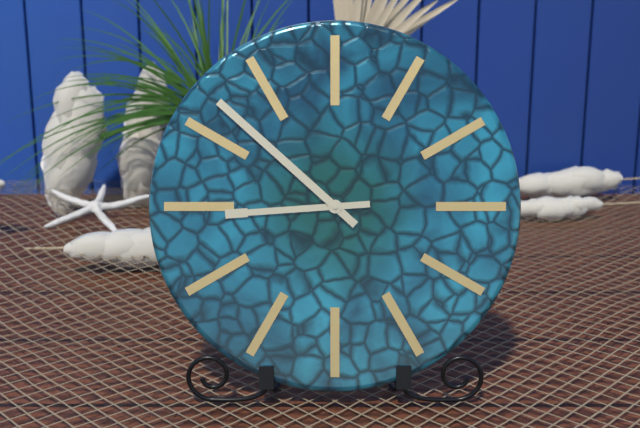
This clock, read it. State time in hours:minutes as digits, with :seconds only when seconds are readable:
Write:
8:52
